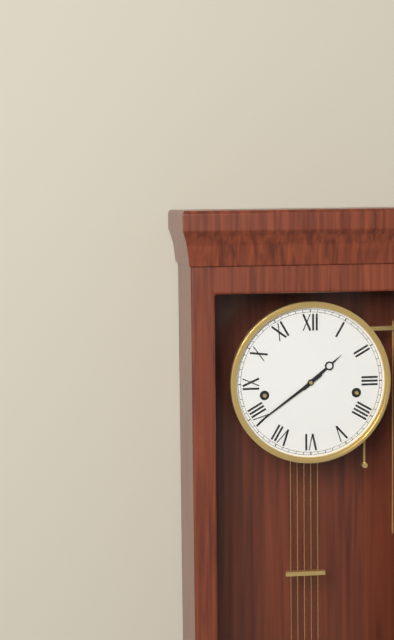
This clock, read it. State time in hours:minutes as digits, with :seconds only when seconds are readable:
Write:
1:39
